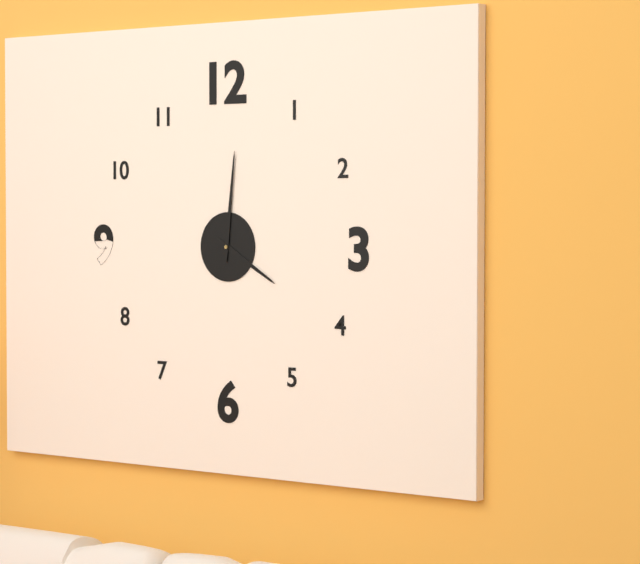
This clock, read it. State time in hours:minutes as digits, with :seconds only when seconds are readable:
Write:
4:01
